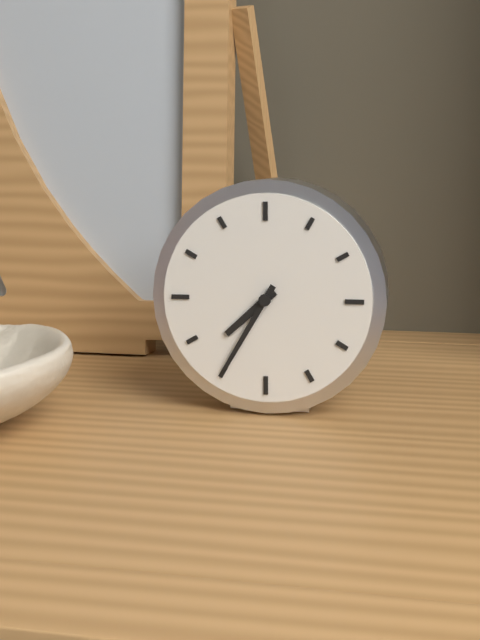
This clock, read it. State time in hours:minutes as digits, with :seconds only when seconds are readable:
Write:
7:35
